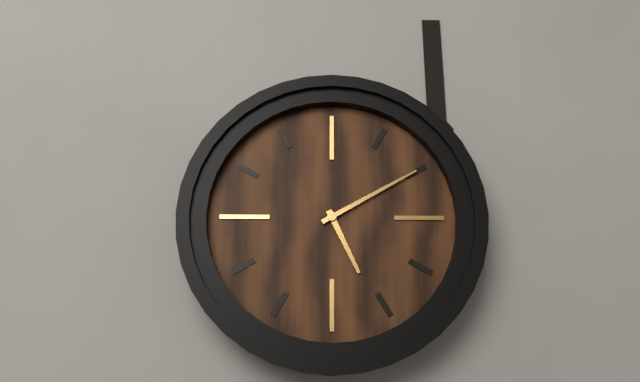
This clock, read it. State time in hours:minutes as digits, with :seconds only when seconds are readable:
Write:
5:10
